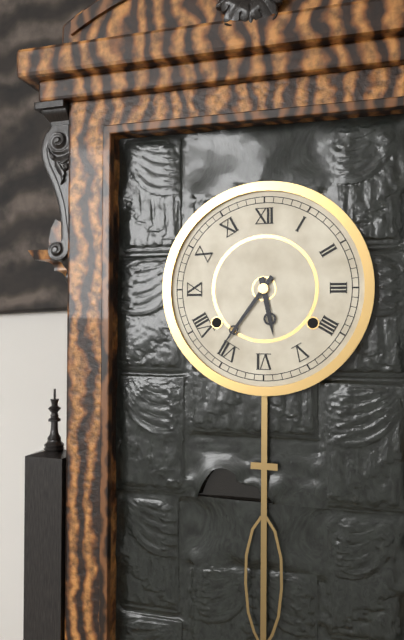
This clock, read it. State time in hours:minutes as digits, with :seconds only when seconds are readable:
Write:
5:36
